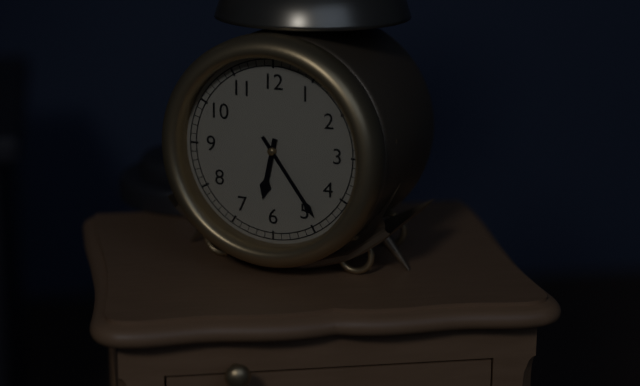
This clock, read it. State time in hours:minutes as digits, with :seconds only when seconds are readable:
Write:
6:24
